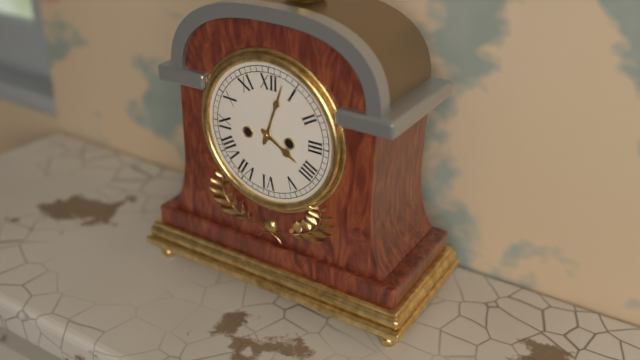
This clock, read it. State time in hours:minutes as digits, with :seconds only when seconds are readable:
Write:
4:03
